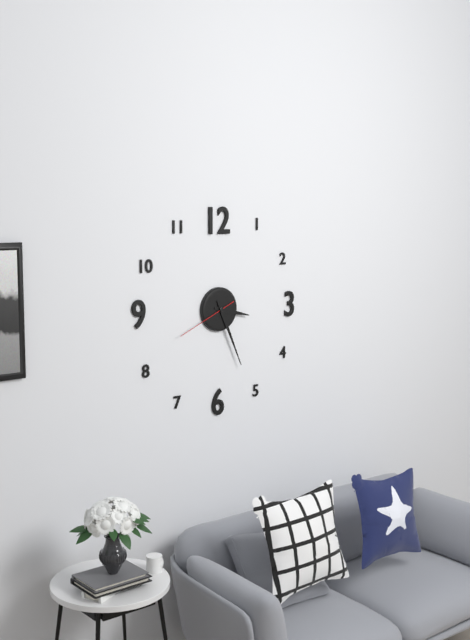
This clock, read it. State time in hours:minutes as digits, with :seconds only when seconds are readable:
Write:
3:26:41
